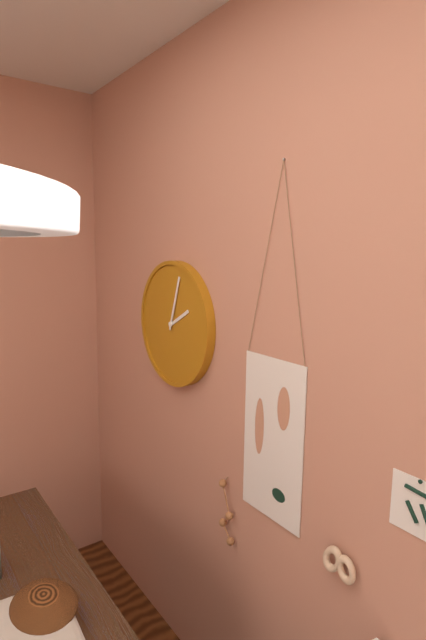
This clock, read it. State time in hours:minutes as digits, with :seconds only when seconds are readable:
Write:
2:03
